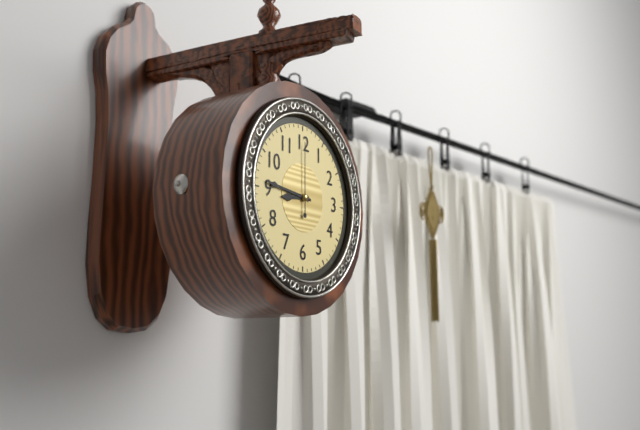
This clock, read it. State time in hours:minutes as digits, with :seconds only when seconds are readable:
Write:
8:46:00
